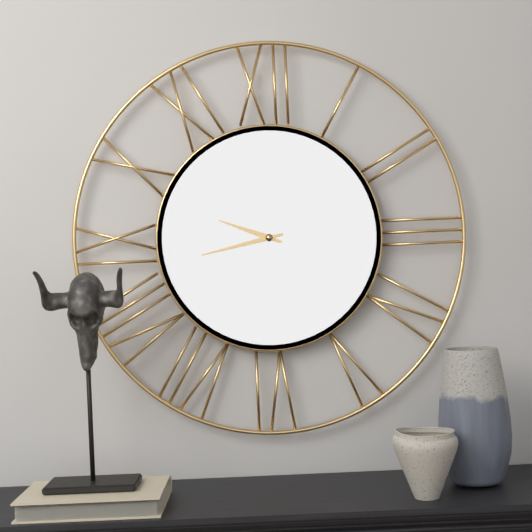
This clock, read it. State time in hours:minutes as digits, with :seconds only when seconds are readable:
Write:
9:43
